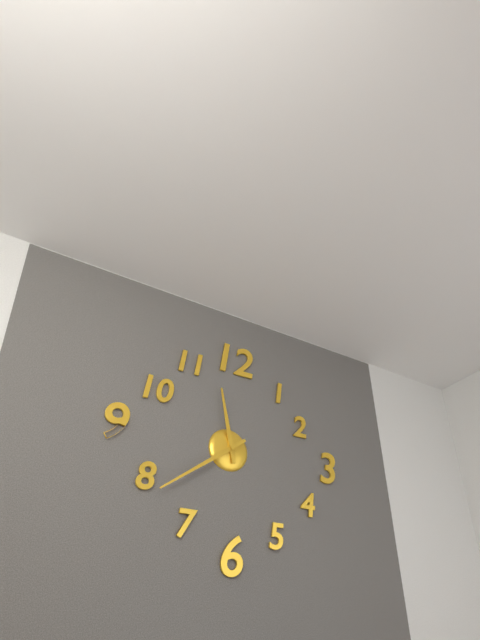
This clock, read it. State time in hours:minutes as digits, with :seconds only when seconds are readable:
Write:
11:39
